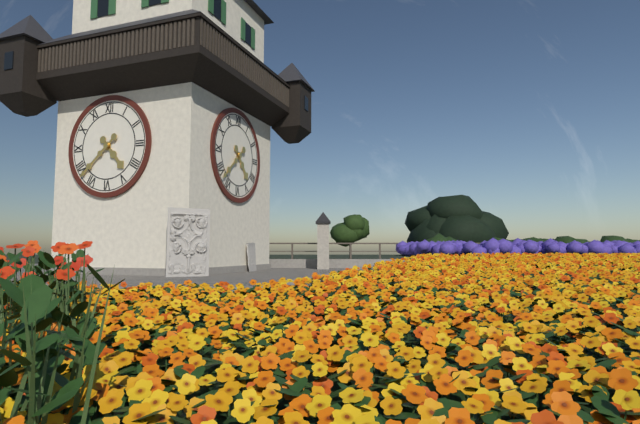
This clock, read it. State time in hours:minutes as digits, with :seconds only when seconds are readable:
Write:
4:38
